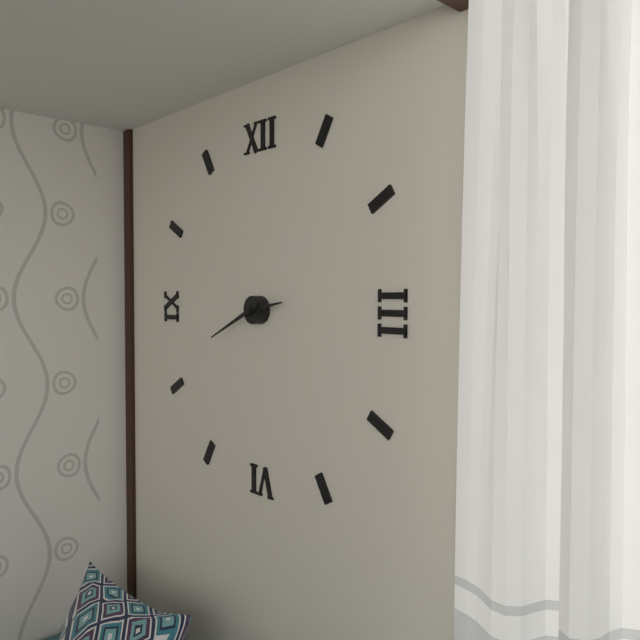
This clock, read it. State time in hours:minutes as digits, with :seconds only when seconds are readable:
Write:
2:41
